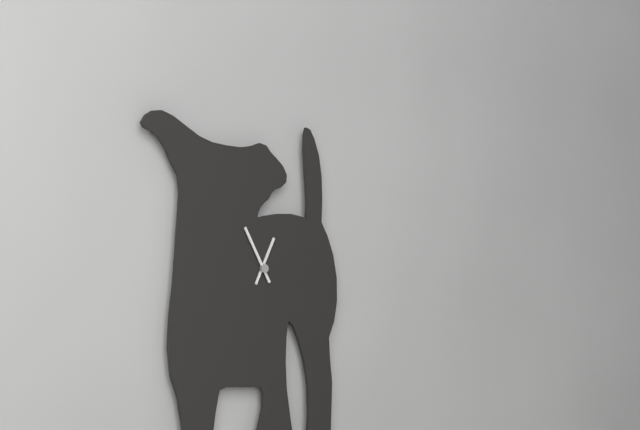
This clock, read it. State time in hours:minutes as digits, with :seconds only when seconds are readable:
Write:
12:55
